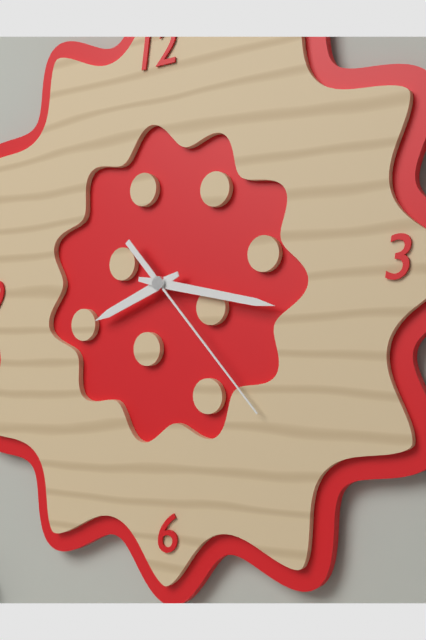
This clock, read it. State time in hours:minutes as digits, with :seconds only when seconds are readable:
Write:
8:17:23
